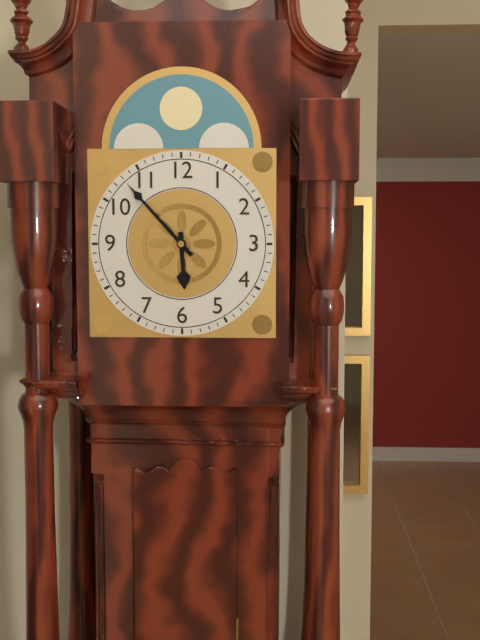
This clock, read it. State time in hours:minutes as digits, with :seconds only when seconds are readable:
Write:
5:53
